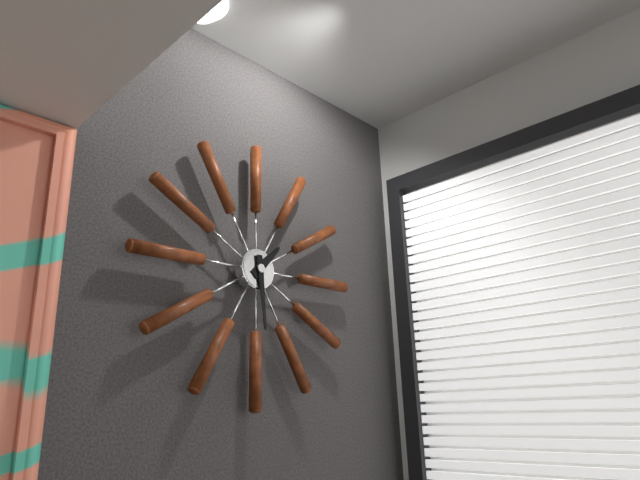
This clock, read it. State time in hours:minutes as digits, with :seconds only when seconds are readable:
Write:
1:29
